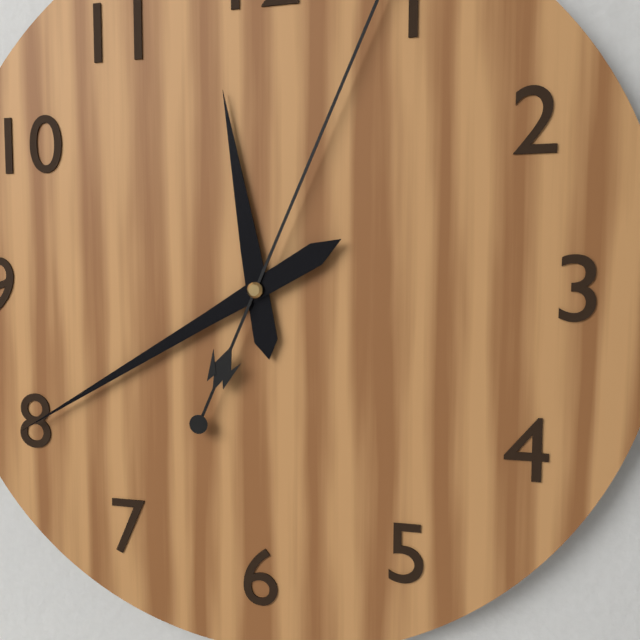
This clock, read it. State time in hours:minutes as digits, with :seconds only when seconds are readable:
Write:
11:40
